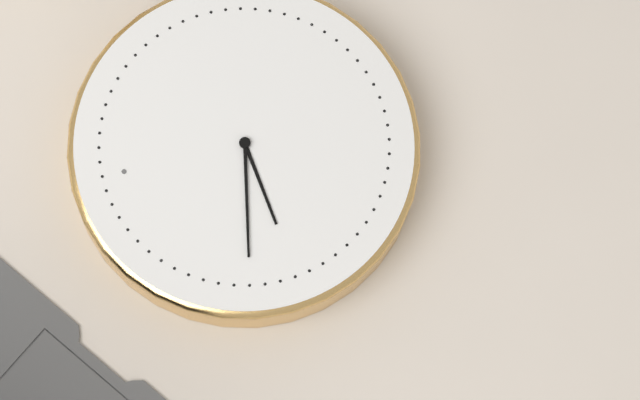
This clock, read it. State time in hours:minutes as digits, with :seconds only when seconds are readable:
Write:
8:47
